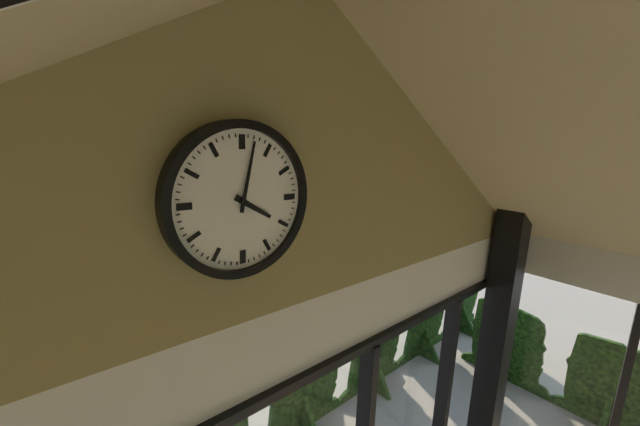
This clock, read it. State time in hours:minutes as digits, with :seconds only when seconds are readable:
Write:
4:02
